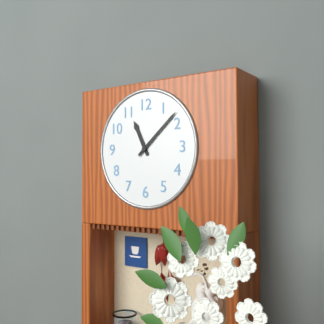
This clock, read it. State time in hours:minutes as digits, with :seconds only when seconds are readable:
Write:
11:08
